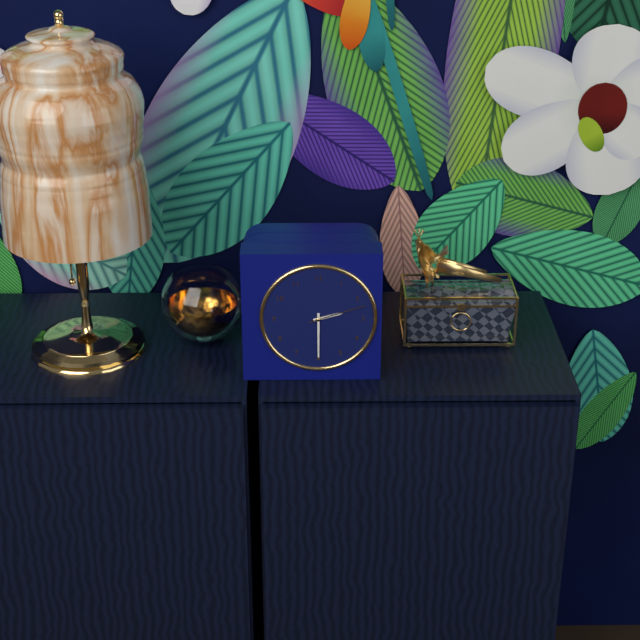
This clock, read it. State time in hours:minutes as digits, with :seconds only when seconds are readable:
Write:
2:30:12
